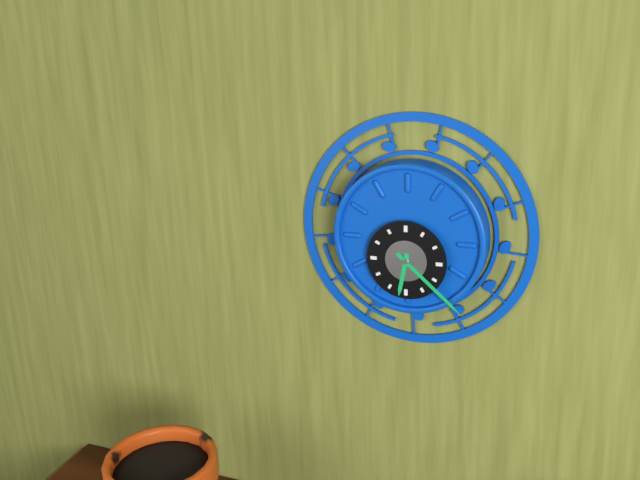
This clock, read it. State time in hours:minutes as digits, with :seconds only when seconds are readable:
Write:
6:22
